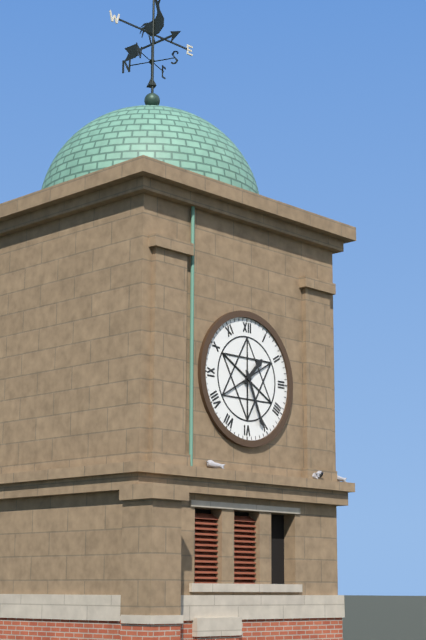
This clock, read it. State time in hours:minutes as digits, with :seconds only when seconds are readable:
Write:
1:26
